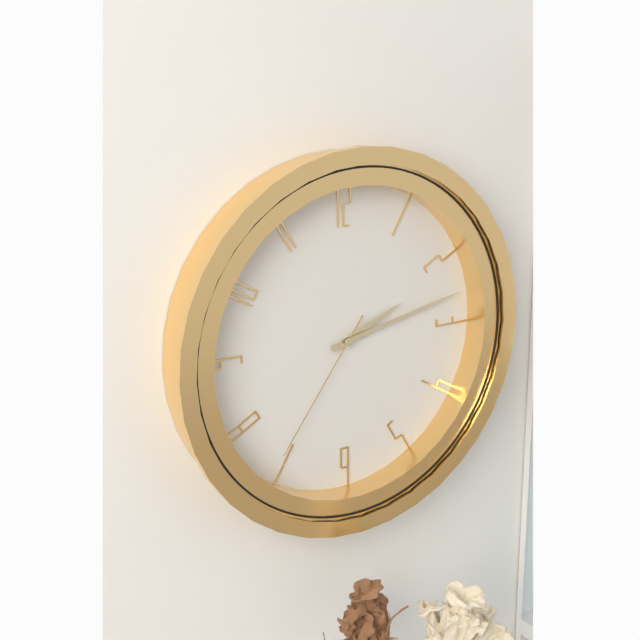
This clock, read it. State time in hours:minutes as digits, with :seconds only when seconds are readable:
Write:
2:13:36
